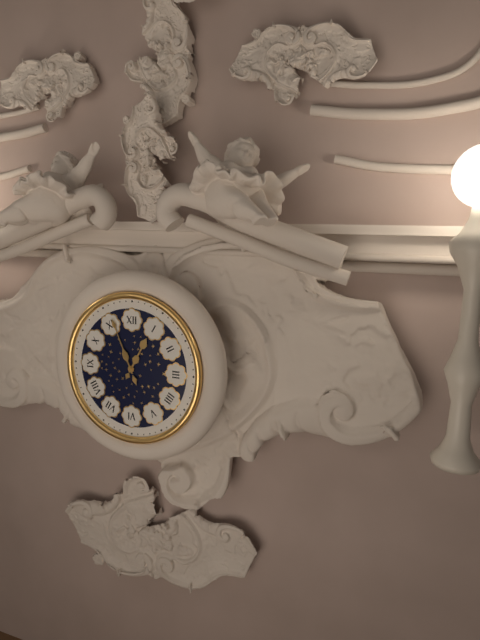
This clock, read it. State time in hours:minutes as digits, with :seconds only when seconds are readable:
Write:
12:56
